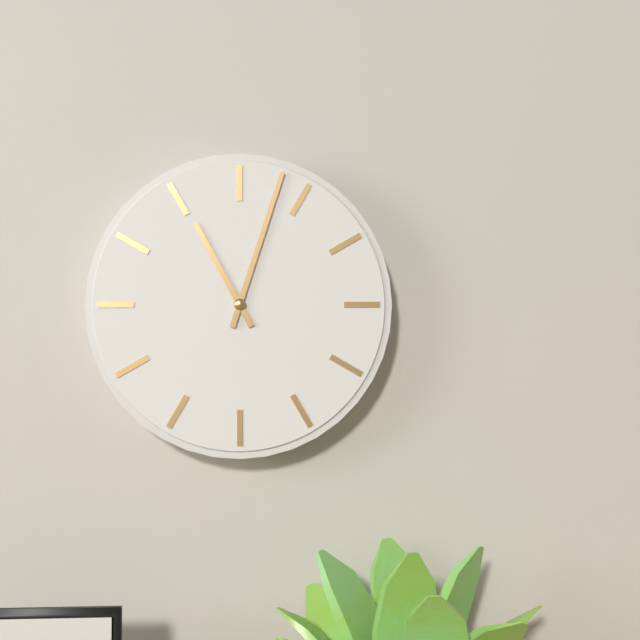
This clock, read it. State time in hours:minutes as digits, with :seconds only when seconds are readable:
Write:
11:03
